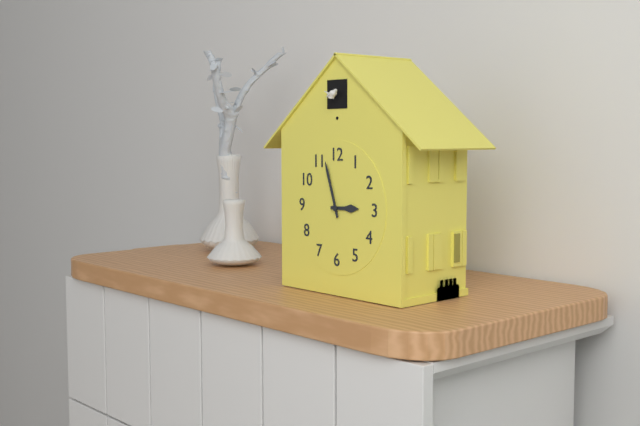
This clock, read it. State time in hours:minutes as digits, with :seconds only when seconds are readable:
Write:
2:57
